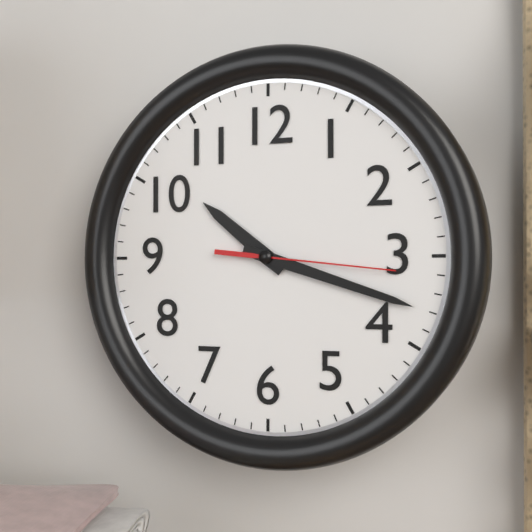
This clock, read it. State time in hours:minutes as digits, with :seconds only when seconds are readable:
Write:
10:18:16
